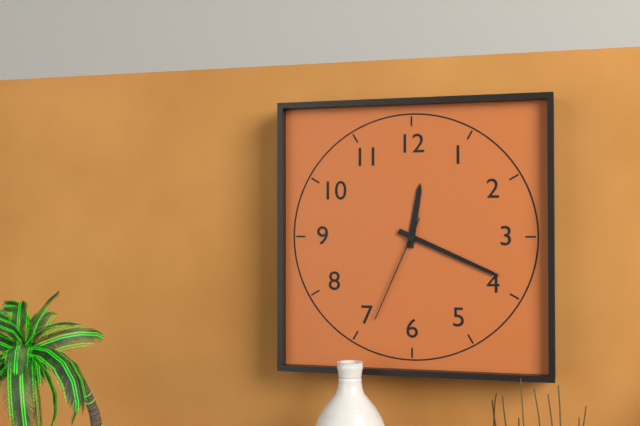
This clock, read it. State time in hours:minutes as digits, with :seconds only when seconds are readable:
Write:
12:19:34
